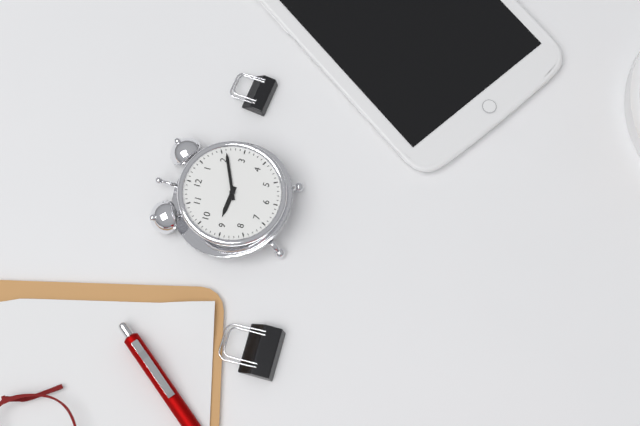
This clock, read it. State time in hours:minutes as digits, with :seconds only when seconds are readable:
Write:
9:11
